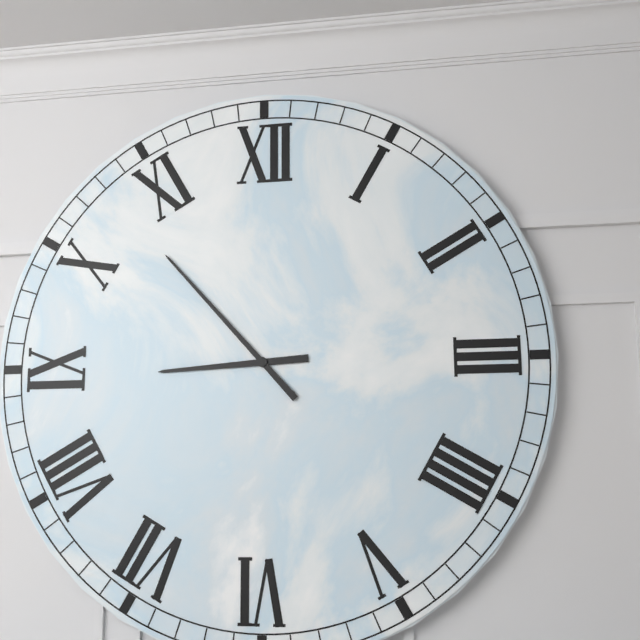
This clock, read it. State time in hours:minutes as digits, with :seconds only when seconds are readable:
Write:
8:53
